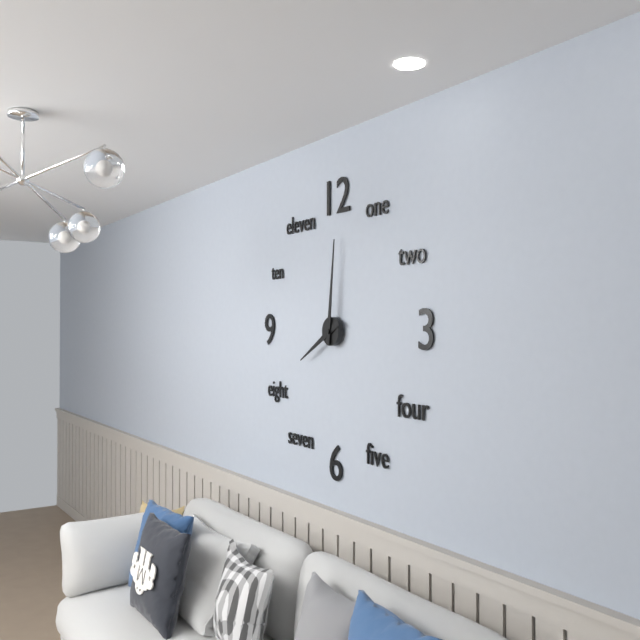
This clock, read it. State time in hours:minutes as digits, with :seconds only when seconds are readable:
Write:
8:01
